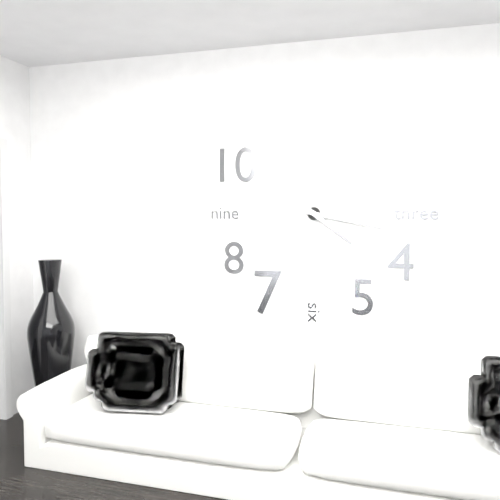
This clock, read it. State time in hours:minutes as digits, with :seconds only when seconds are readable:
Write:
4:17
